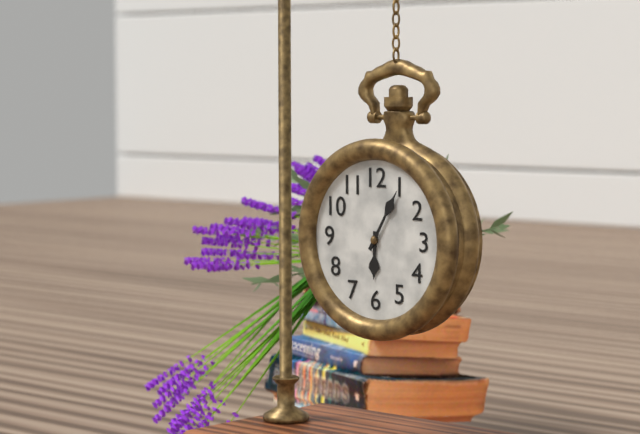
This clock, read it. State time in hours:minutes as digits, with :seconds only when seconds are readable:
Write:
6:05
